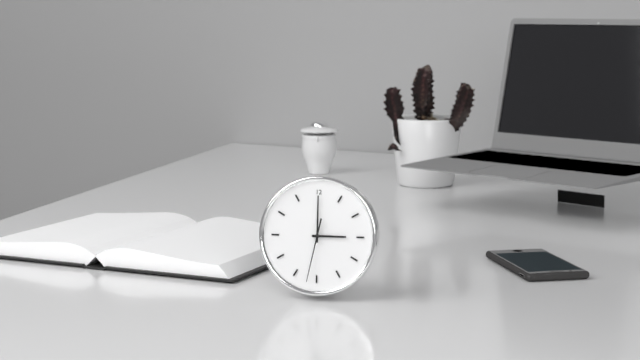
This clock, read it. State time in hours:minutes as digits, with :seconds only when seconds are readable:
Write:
3:00:32
